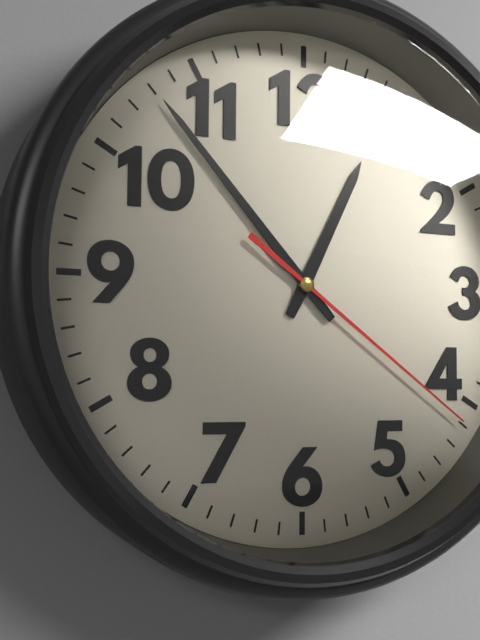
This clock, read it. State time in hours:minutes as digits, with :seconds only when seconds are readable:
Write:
12:53:21
